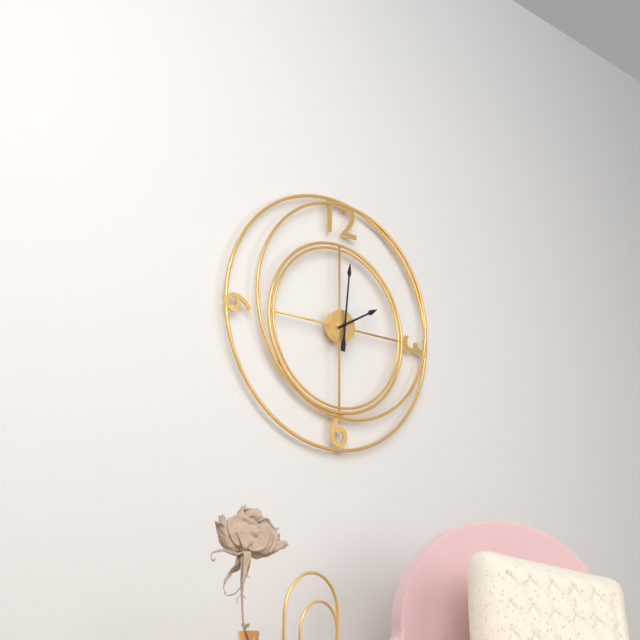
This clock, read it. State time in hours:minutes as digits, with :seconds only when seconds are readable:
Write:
2:01
